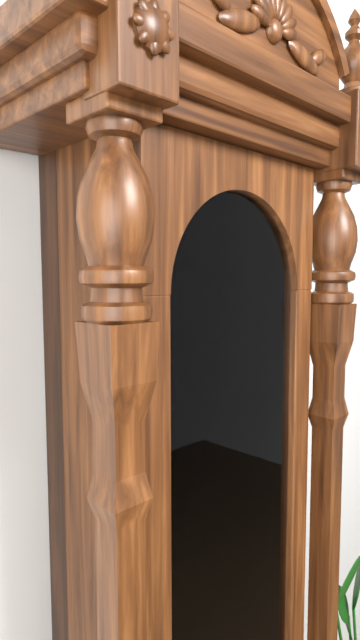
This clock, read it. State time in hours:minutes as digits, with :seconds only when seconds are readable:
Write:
12:06
